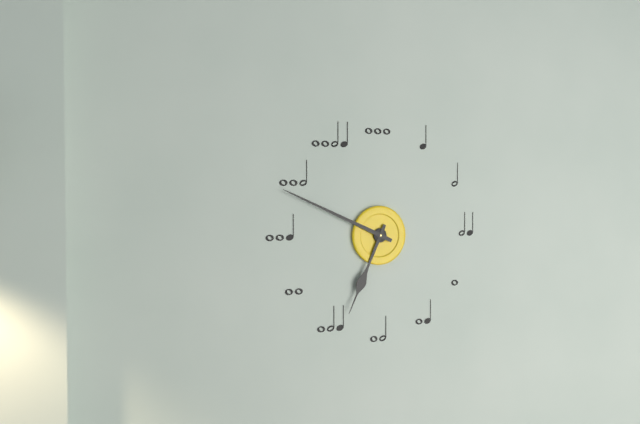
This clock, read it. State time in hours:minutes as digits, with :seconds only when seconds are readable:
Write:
6:49
